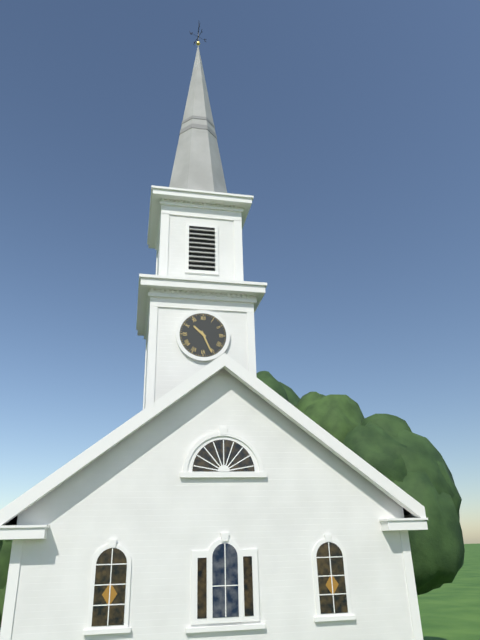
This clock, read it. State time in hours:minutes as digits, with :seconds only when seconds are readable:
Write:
10:26
